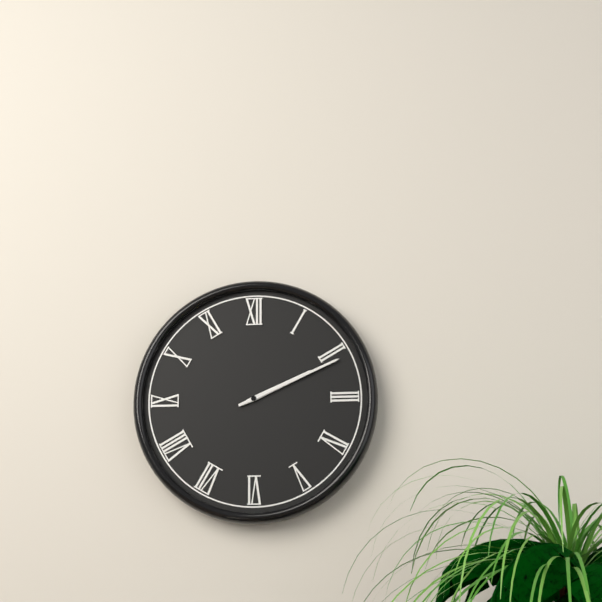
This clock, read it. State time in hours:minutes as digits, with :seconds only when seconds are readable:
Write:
2:11
